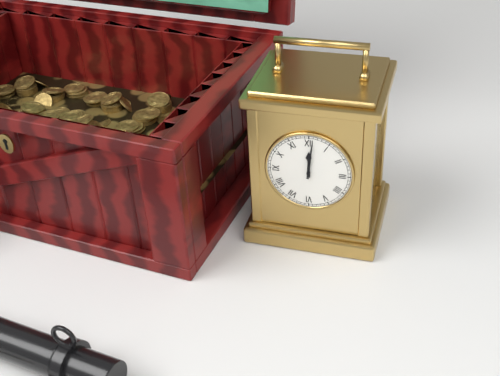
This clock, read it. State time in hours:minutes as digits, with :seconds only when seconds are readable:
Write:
12:01
